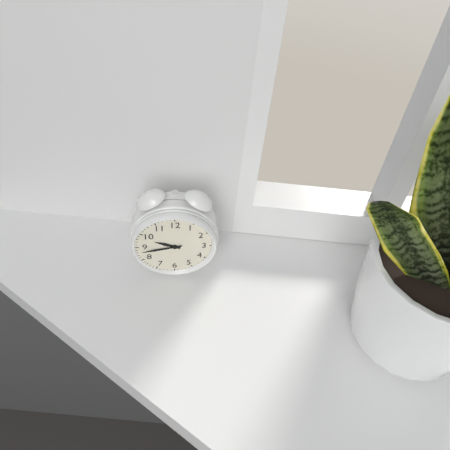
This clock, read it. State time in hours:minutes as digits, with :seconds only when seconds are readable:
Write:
9:43
